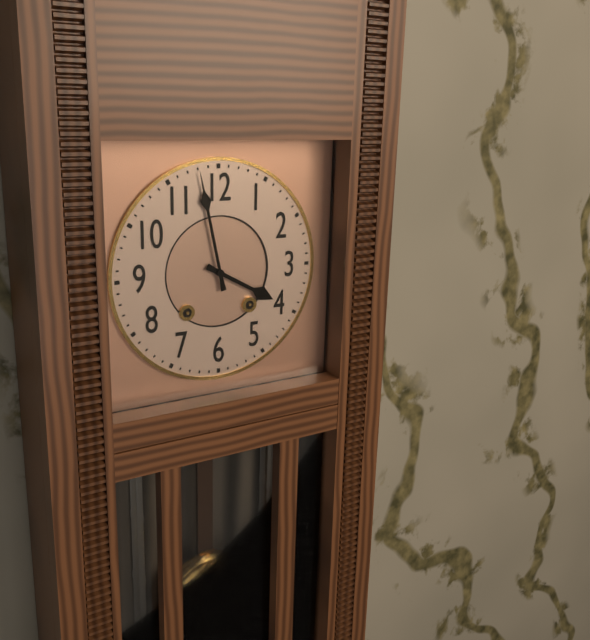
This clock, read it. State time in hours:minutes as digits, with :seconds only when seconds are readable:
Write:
3:58
